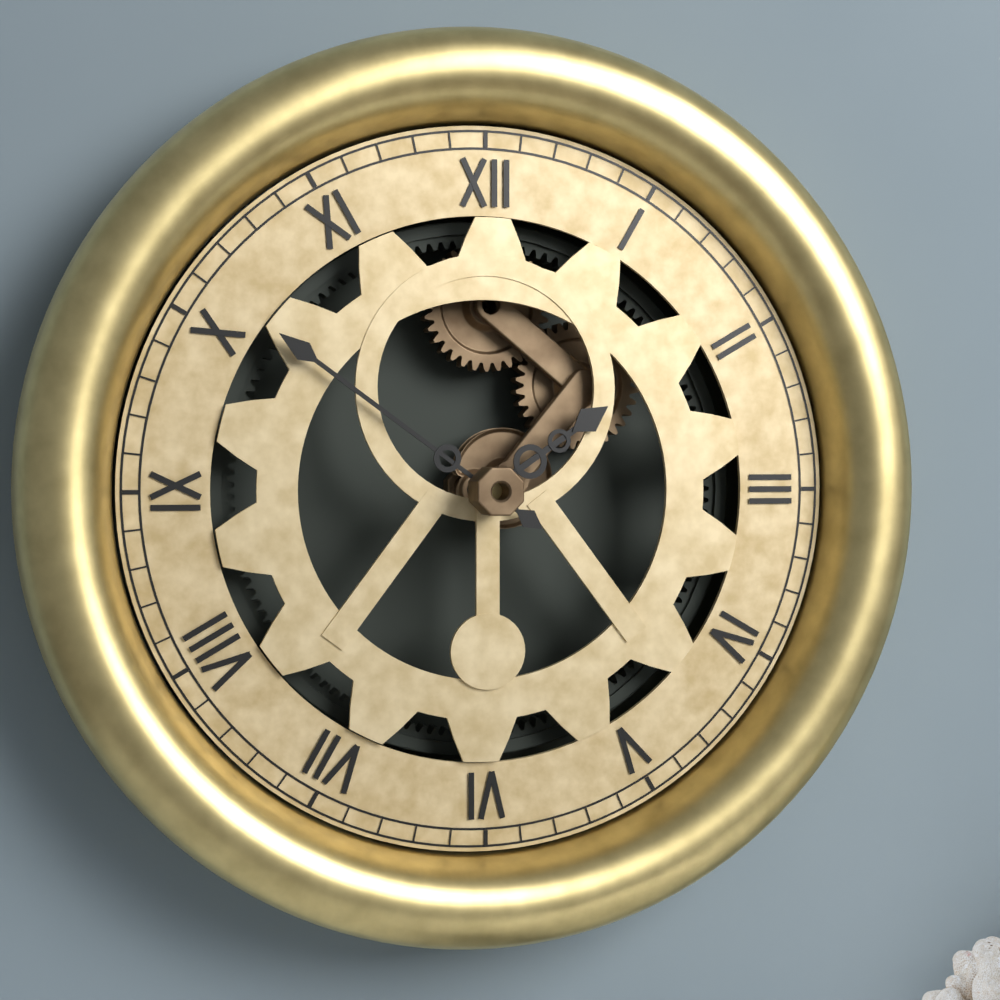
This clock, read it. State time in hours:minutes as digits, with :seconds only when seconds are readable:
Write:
1:51
